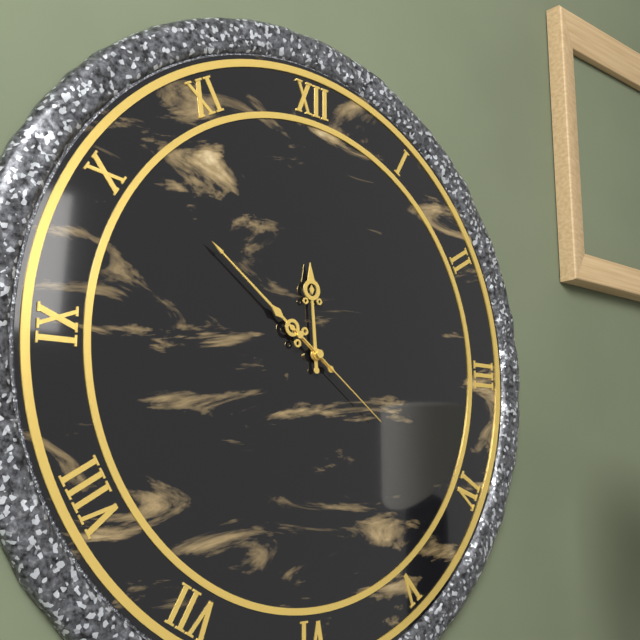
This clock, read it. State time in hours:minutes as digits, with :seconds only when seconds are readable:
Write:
11:51:21
